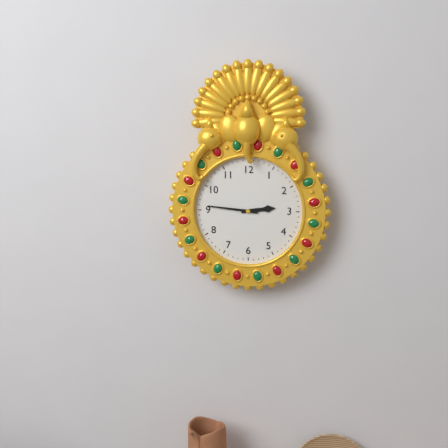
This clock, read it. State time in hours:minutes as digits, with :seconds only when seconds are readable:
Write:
2:46
